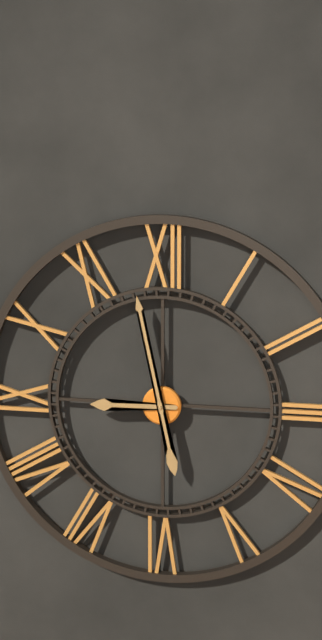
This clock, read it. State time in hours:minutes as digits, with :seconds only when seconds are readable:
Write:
8:58
